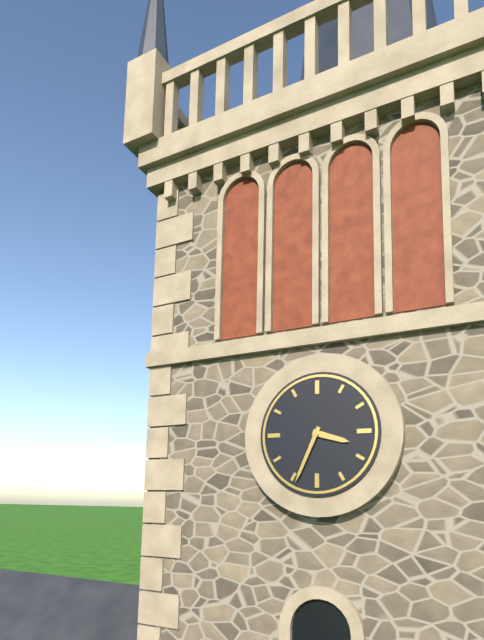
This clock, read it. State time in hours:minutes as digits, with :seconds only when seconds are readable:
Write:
3:34
